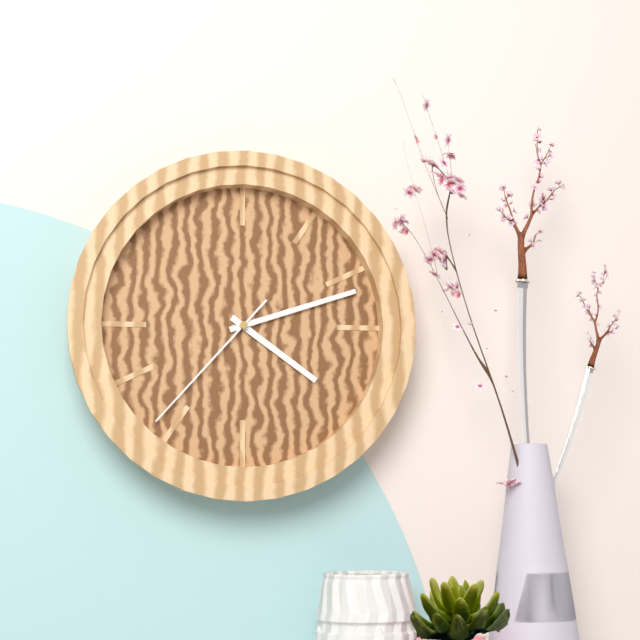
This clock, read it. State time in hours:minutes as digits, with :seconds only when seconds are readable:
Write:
4:12:37
